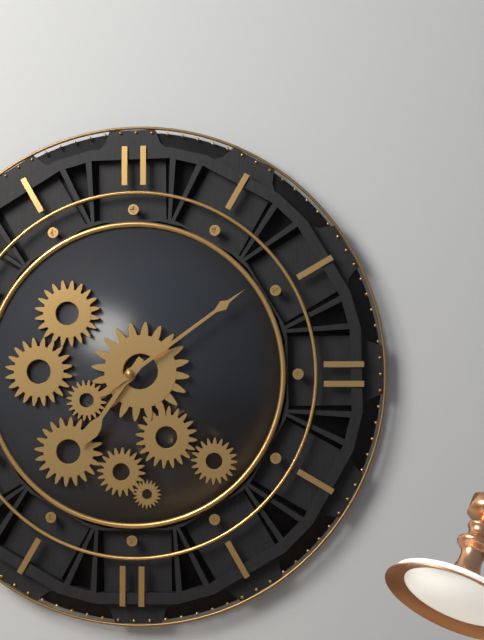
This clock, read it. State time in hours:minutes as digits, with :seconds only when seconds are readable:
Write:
7:09
